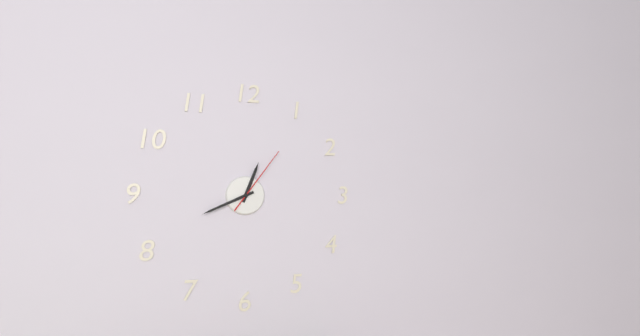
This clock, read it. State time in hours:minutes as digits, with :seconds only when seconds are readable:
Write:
12:41:06
